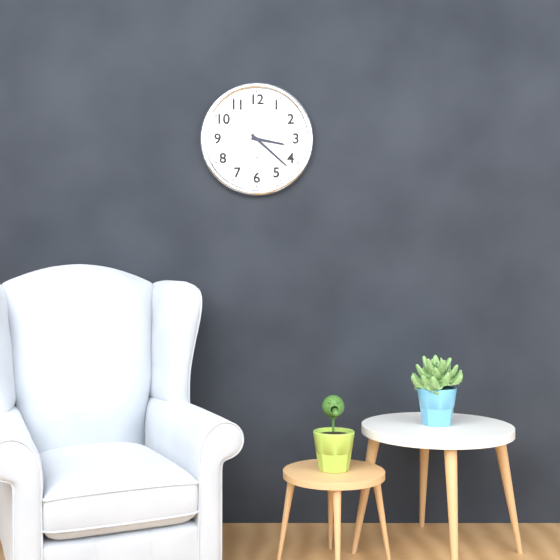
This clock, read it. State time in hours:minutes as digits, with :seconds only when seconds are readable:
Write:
3:22
